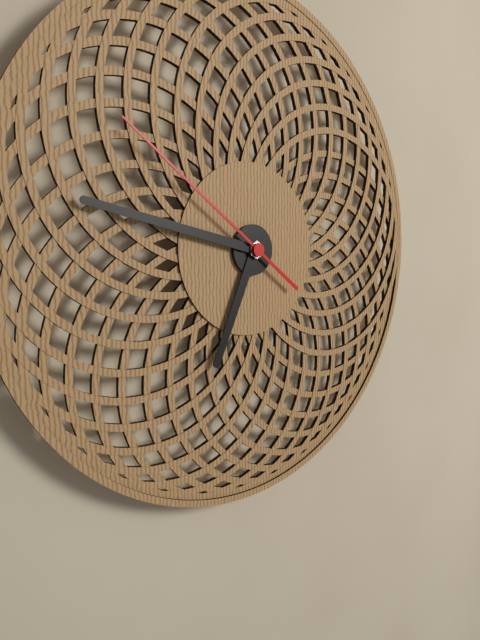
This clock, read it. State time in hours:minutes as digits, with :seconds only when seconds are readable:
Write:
6:47:51
